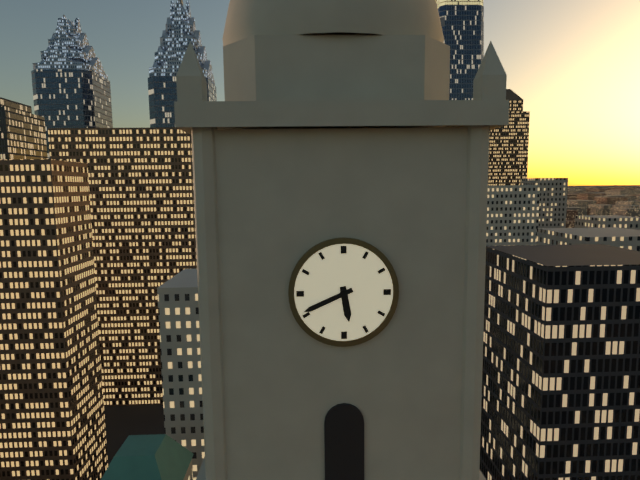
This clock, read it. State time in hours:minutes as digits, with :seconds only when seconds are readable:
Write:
5:41
